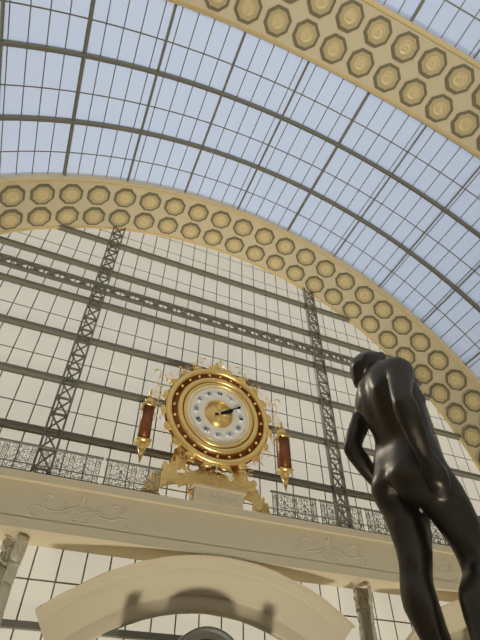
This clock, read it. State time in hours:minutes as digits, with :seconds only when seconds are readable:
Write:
2:10
